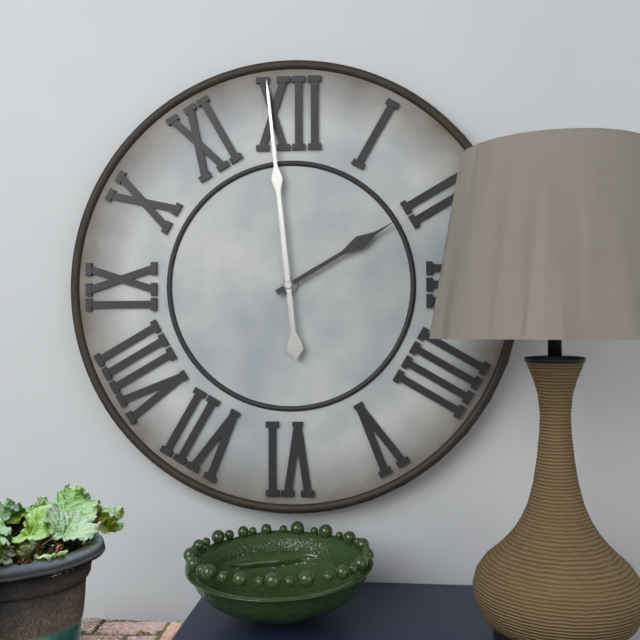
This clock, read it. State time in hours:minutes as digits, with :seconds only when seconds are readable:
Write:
1:59
